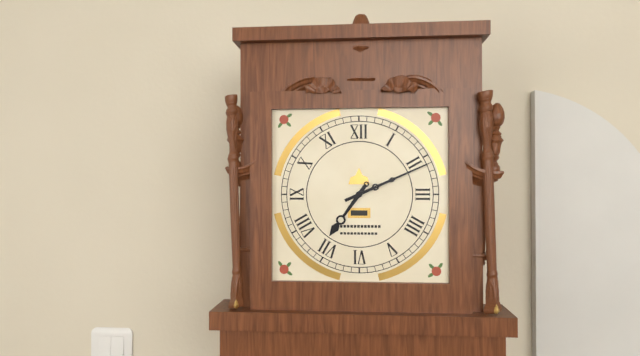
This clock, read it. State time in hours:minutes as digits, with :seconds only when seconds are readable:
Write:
7:11
